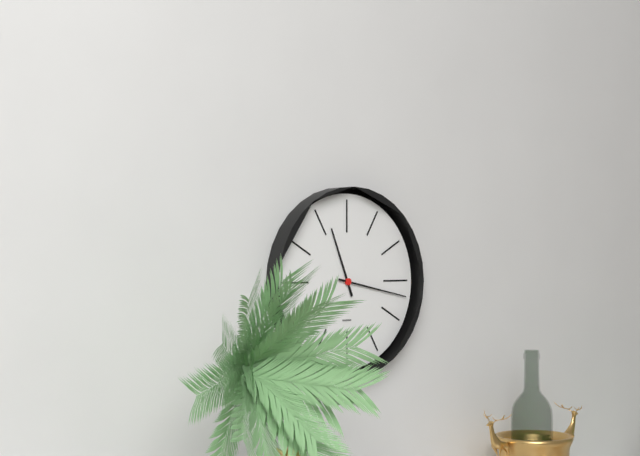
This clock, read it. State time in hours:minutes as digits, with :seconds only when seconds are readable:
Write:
11:17
